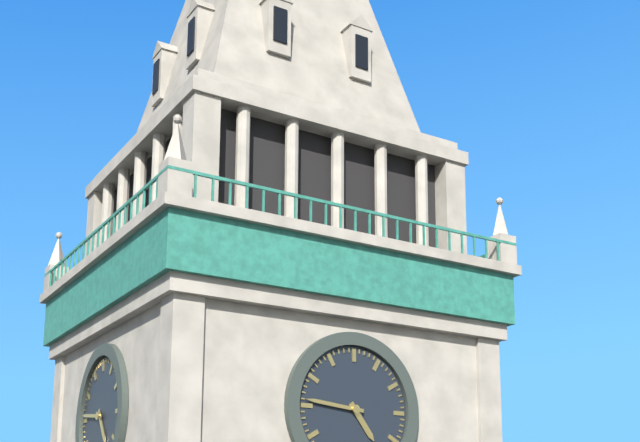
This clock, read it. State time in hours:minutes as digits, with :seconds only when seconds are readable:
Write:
4:46
